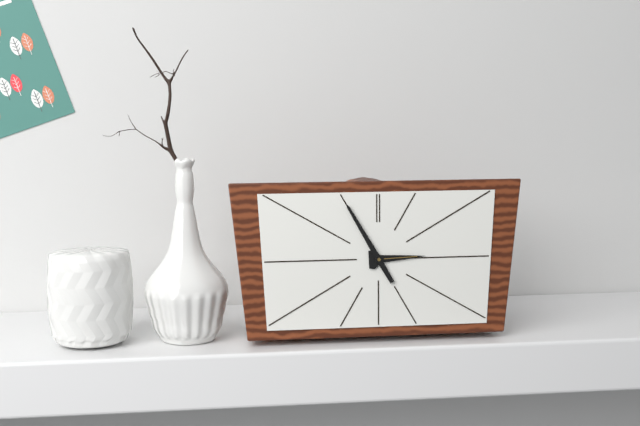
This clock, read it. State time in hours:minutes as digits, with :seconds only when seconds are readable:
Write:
2:55
